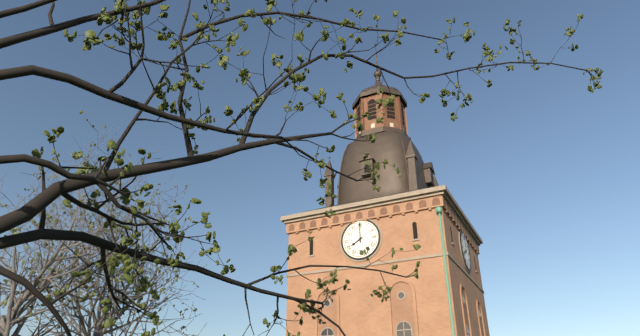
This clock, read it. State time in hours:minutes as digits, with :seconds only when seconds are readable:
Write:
8:00
